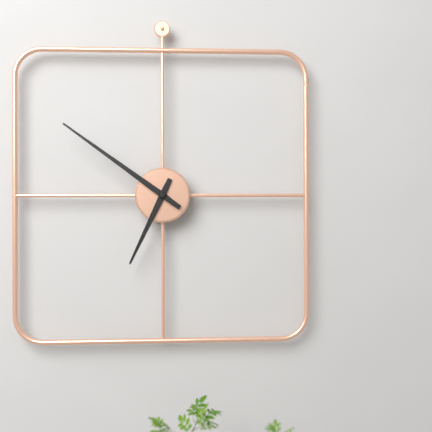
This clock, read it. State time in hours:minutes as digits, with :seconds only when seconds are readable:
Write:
6:51
